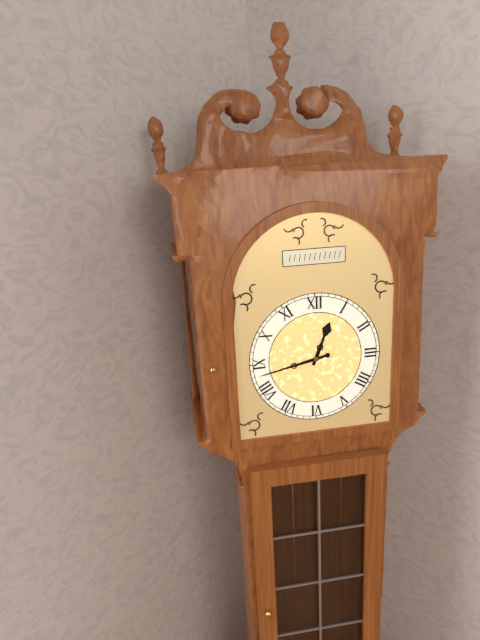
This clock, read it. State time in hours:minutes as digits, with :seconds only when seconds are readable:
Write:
12:43
